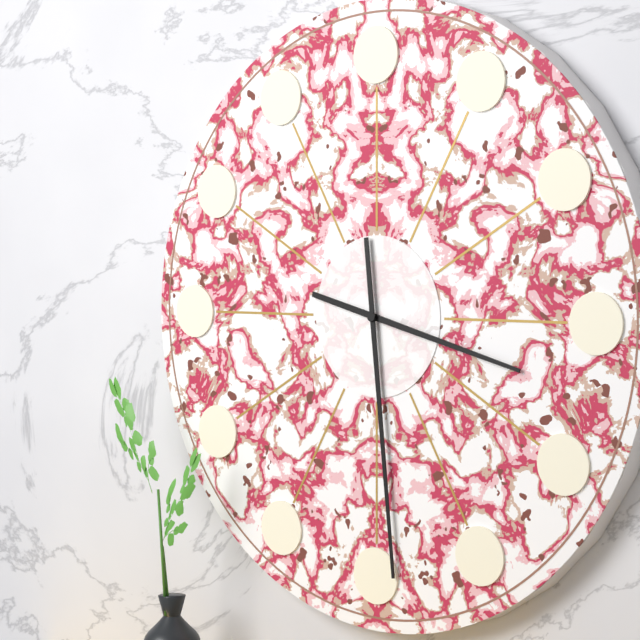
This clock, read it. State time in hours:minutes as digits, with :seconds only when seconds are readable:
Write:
3:29
